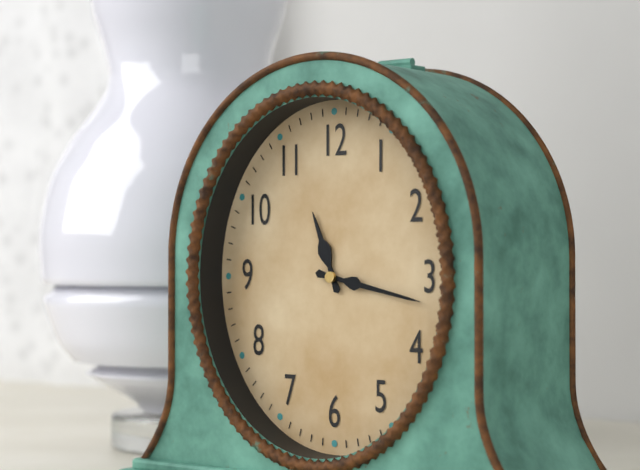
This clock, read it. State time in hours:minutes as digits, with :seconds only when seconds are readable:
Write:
11:17
